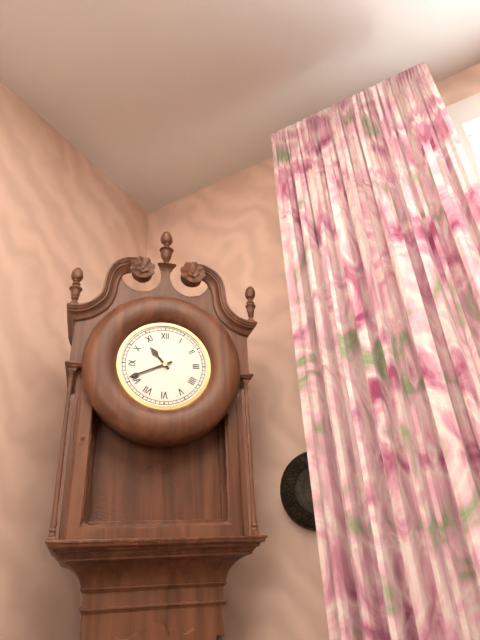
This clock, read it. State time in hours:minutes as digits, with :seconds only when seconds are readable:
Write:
10:41
